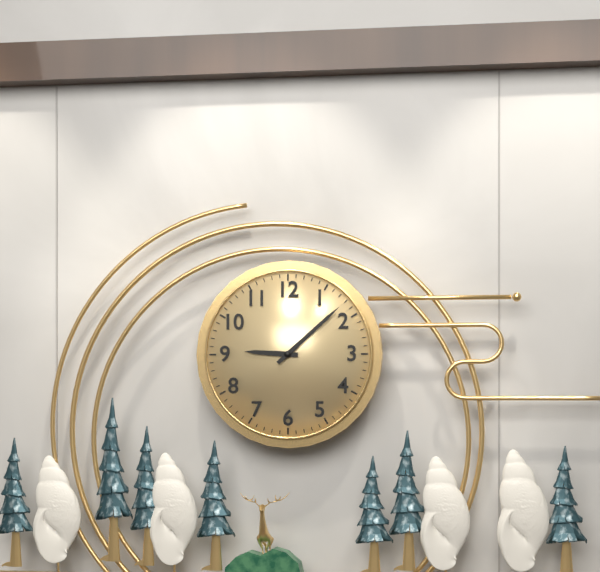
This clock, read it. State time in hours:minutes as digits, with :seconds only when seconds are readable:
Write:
9:08
